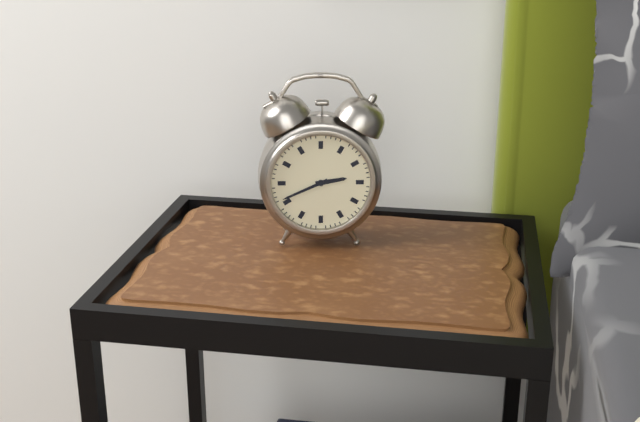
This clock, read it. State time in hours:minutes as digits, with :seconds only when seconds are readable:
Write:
2:41
